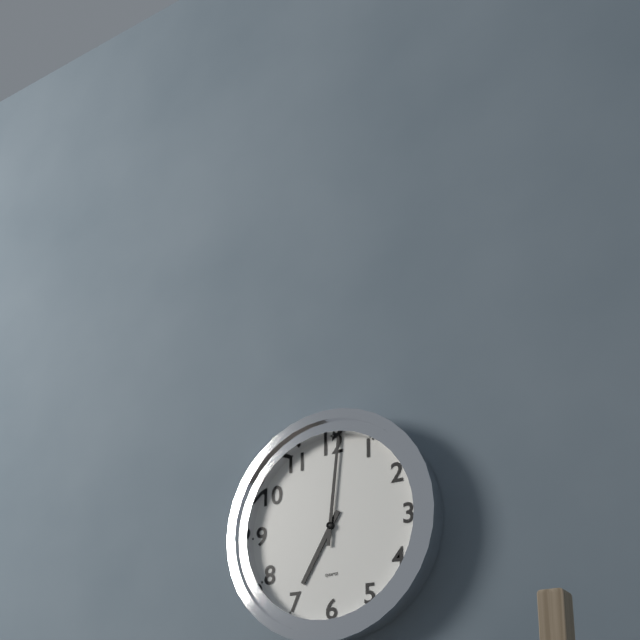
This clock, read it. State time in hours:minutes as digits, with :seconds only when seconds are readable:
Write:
7:01
